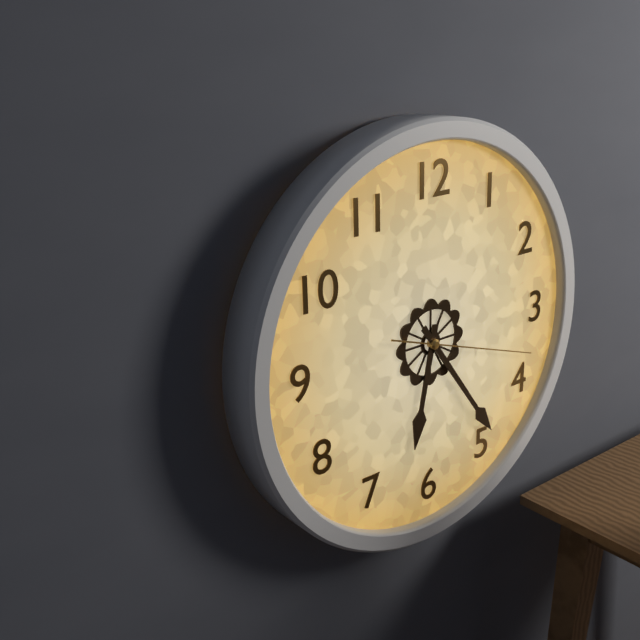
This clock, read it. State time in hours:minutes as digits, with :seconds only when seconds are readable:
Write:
6:24:18
